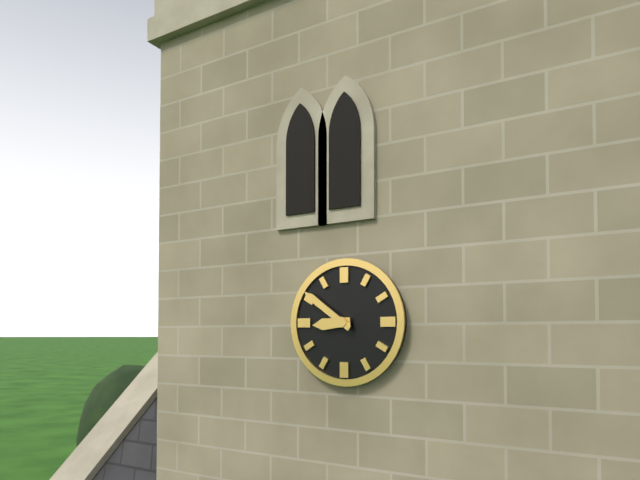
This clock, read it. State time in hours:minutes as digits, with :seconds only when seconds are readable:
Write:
8:51
